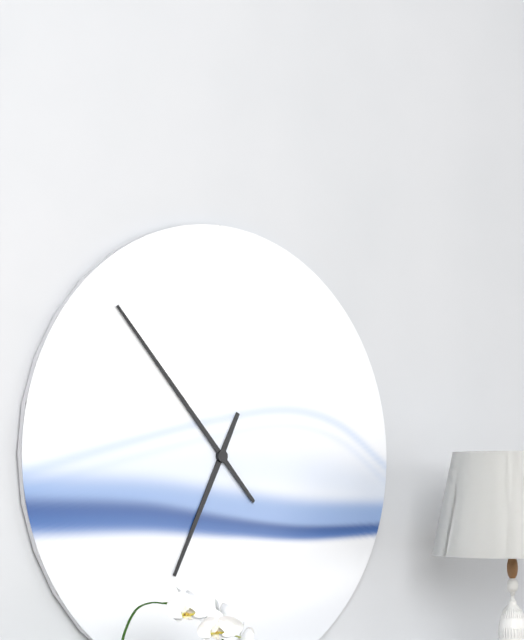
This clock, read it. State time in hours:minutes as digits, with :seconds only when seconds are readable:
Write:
6:53
